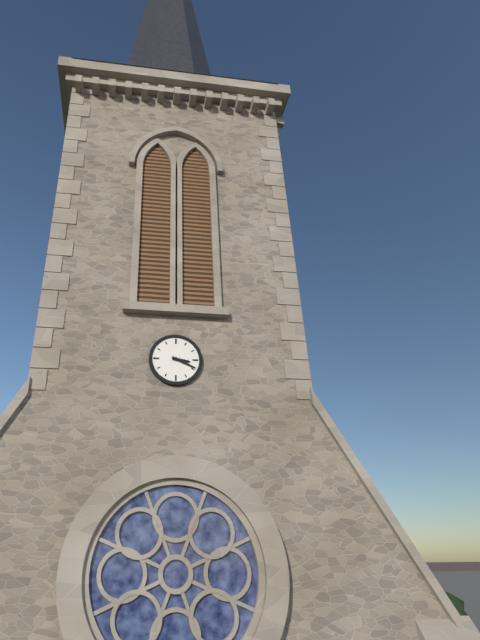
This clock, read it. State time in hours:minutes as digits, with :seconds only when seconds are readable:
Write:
3:19
